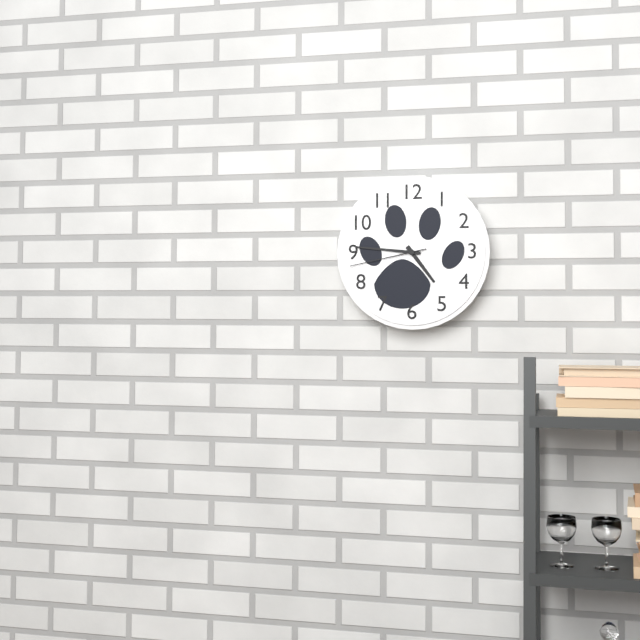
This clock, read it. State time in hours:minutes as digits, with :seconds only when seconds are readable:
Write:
4:46:43
